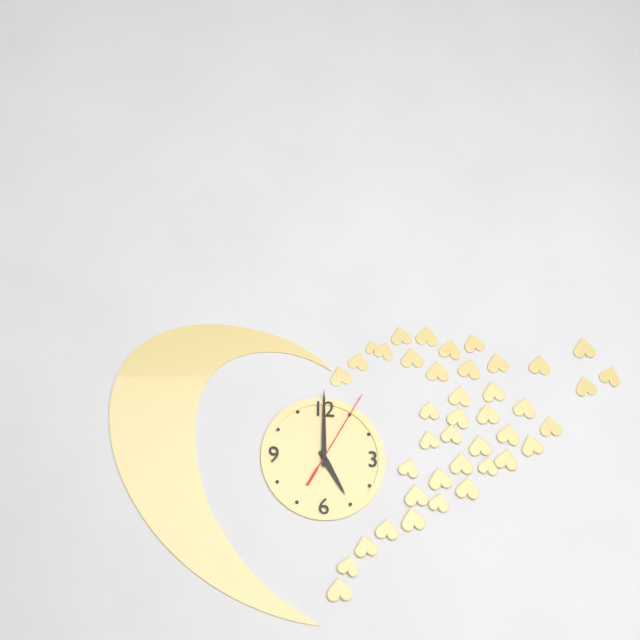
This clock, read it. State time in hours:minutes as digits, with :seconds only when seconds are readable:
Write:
5:00:05
